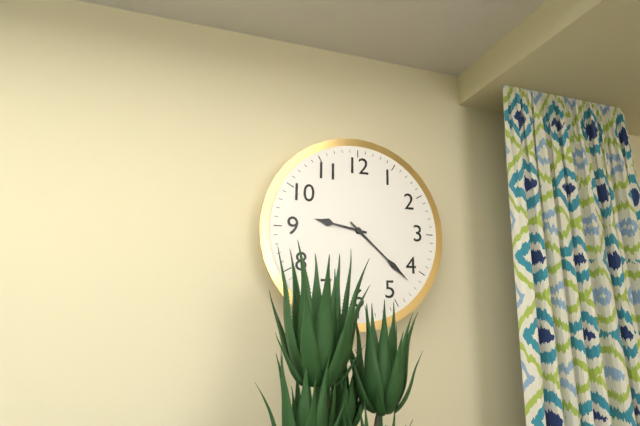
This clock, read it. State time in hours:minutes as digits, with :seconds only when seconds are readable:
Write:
9:22
